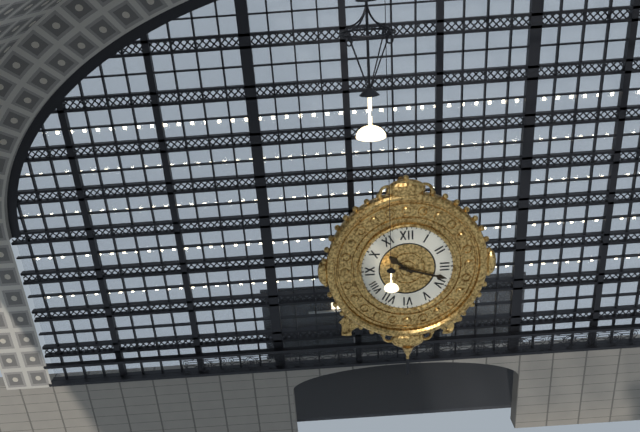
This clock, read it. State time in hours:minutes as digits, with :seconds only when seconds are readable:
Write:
10:18
